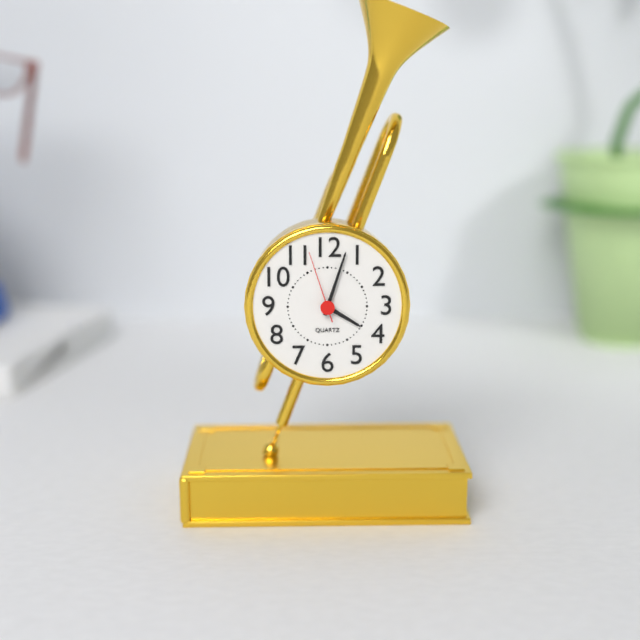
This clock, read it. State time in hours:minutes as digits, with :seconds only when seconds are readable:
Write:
4:03:57
